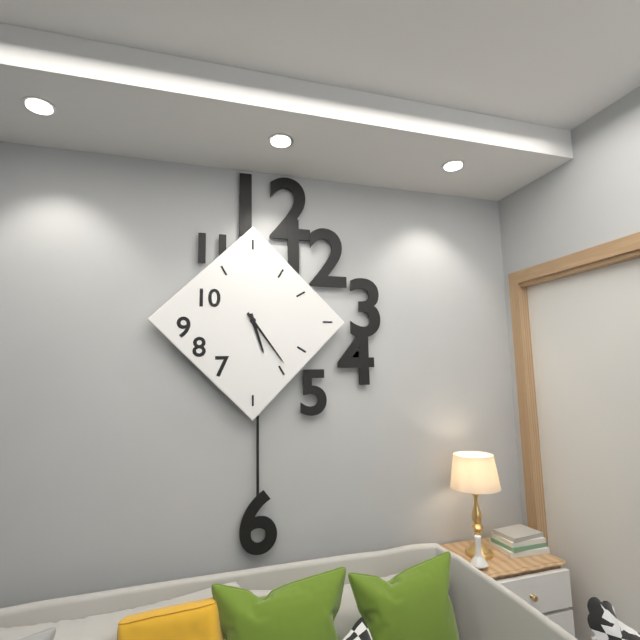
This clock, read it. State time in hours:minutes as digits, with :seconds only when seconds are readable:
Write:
5:24
